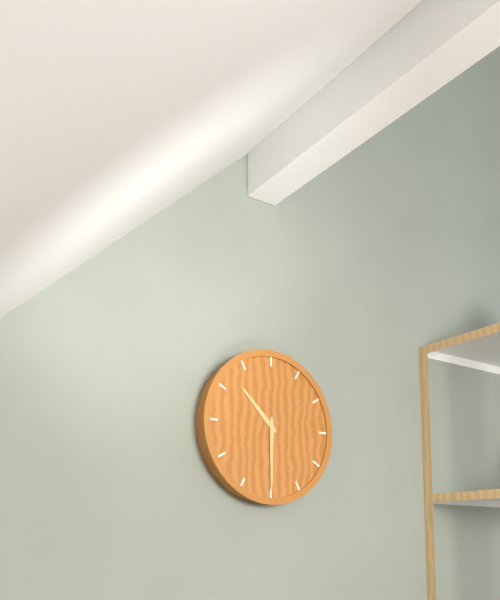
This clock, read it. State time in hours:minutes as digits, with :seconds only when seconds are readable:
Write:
10:30
